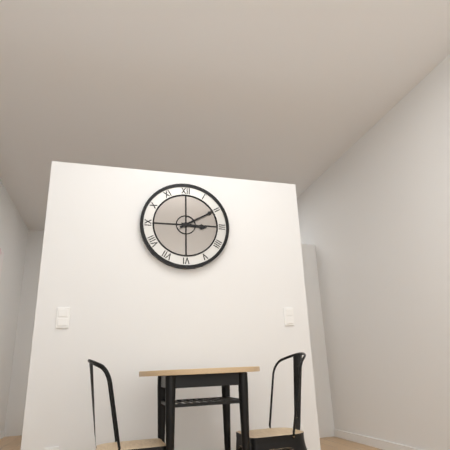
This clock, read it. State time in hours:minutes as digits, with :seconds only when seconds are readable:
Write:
3:10
